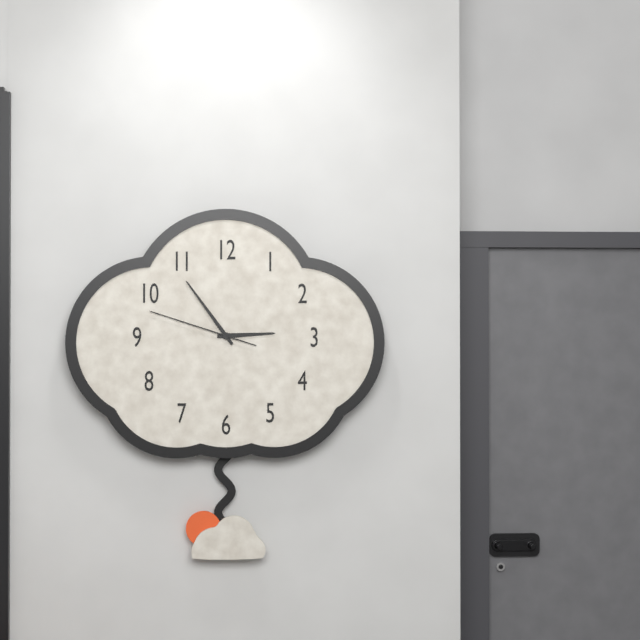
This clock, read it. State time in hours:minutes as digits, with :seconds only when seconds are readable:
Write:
2:54:48
